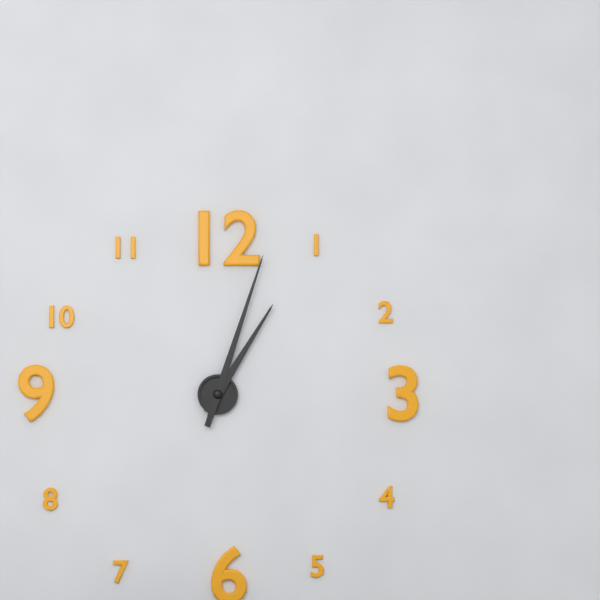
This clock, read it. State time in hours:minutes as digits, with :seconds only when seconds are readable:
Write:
1:03
